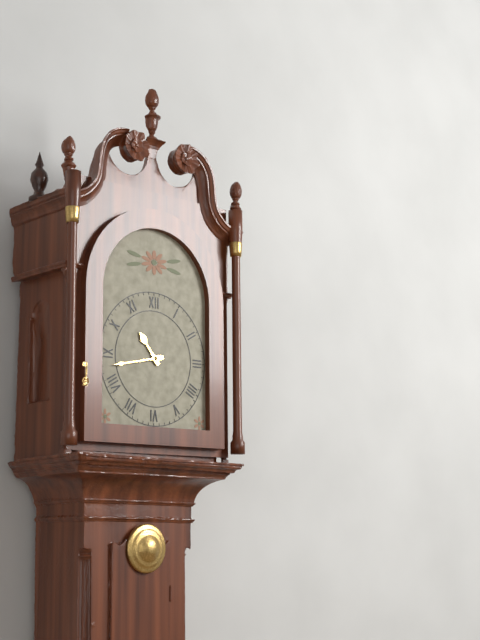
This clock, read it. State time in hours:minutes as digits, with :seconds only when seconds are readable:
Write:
10:43
